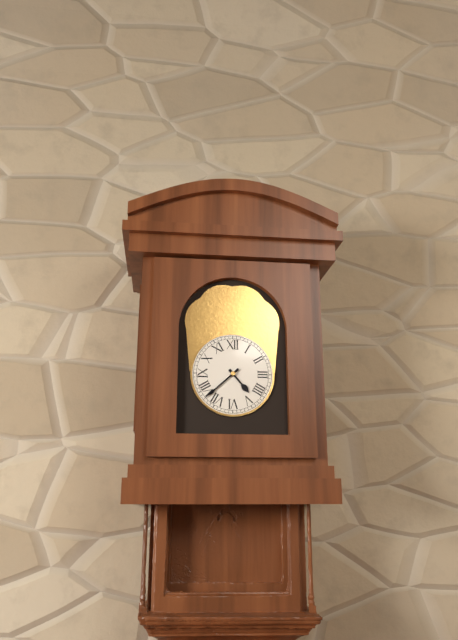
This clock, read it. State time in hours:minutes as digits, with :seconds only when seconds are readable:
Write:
4:38
